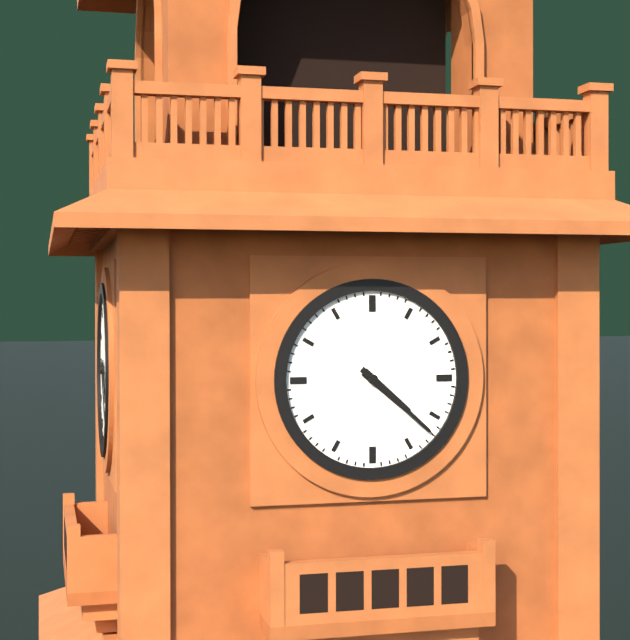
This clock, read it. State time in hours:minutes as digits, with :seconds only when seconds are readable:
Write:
4:22
